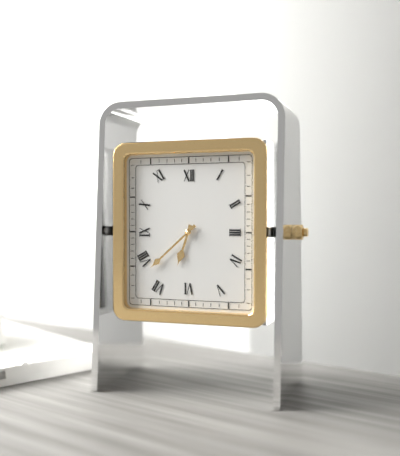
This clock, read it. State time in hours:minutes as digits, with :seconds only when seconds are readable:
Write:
6:38
